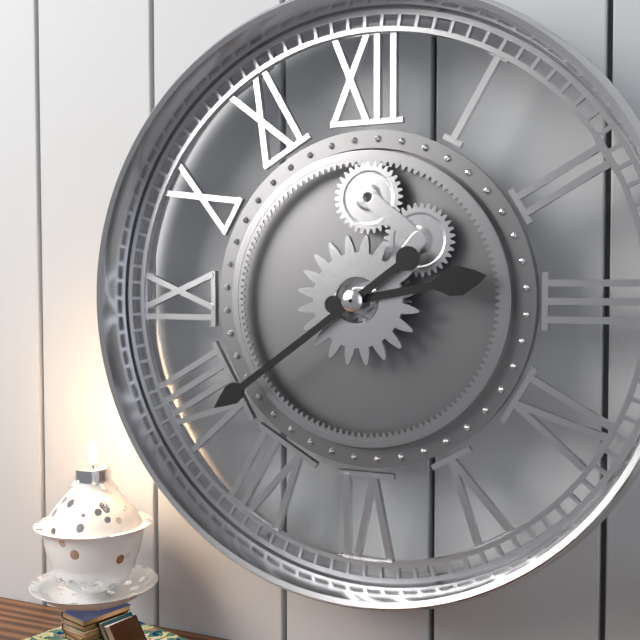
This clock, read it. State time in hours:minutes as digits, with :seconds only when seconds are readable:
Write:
2:39
